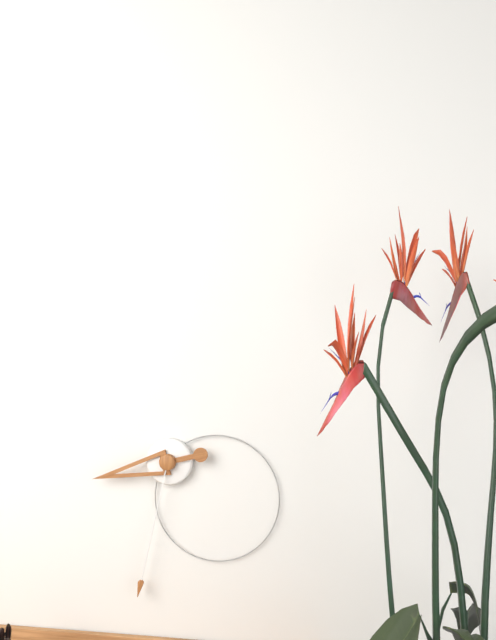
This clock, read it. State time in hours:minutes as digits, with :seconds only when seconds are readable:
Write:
8:32
